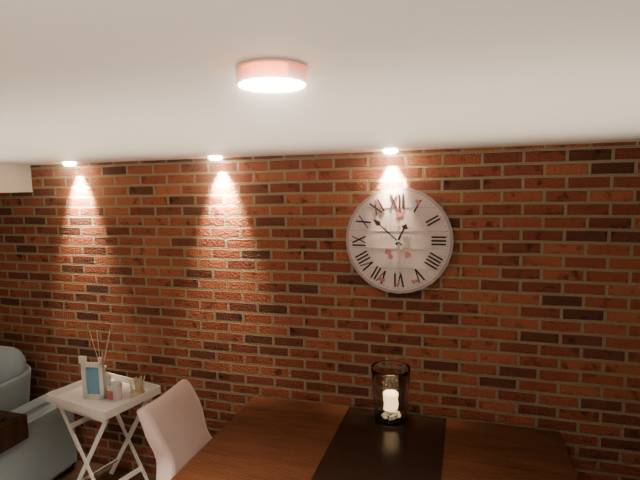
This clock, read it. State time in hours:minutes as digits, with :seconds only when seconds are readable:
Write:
12:52
